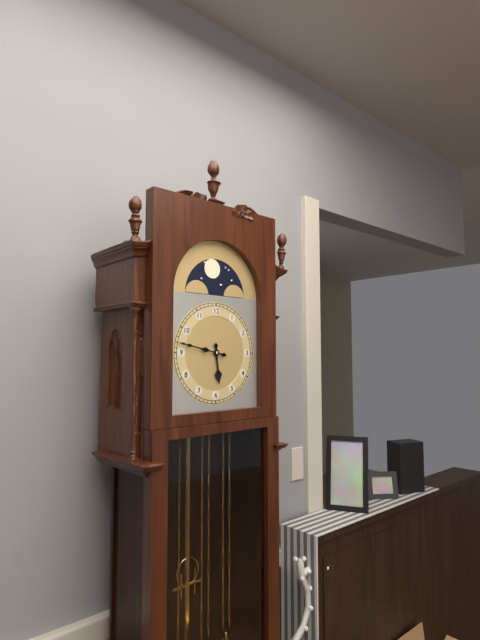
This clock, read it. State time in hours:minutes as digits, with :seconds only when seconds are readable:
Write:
5:47
